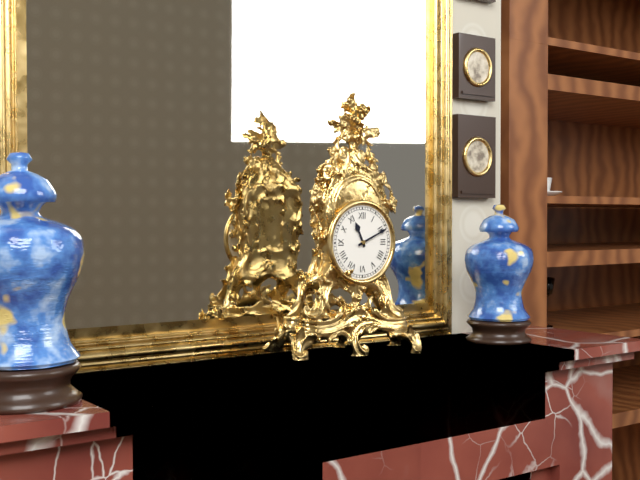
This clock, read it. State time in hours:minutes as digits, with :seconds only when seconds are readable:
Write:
11:11
